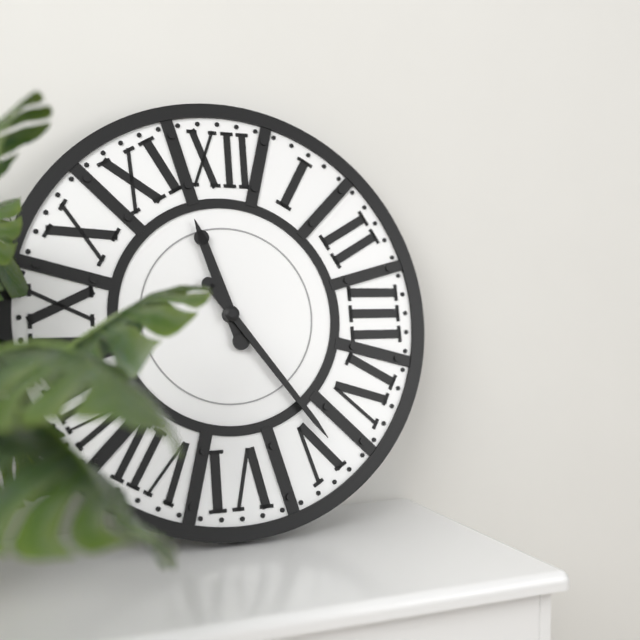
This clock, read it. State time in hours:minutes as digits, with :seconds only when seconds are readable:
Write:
11:24
